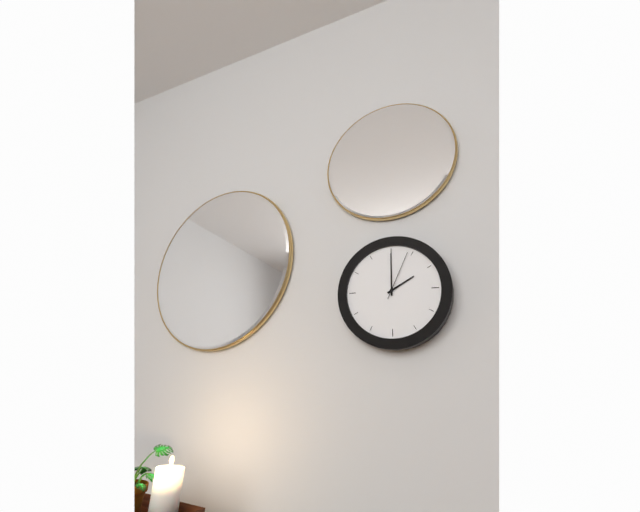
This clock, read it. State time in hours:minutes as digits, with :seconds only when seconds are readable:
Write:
2:00:04
